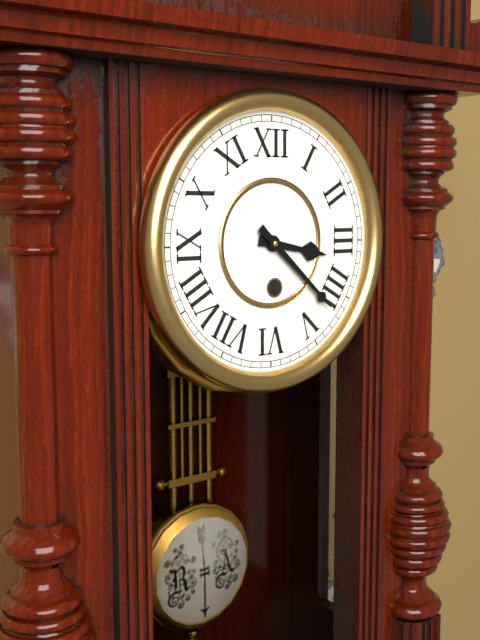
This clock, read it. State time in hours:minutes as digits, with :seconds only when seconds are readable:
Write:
3:22
